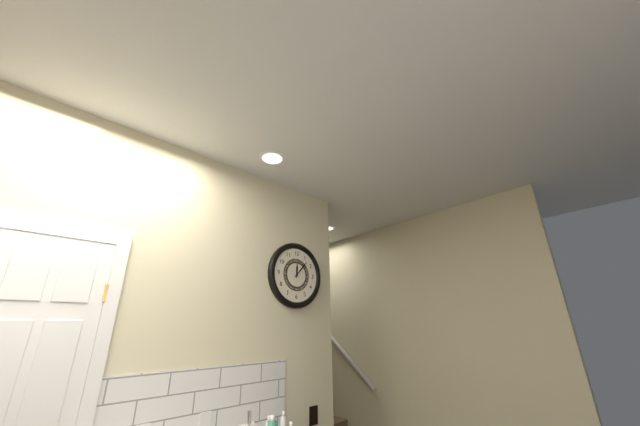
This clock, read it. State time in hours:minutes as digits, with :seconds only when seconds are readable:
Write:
12:07
